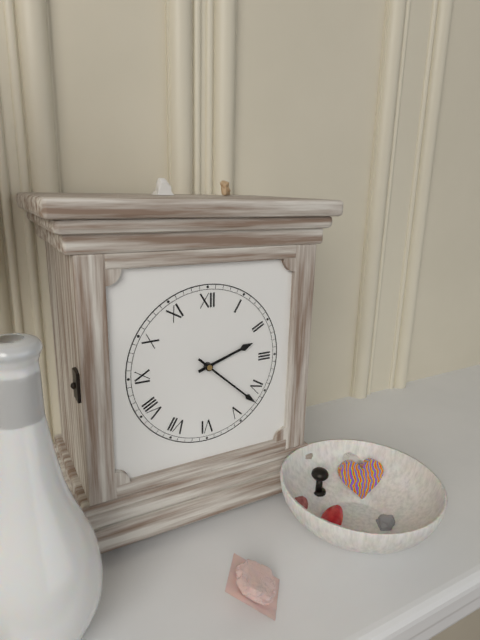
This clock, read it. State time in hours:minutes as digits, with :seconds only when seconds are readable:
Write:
2:22
